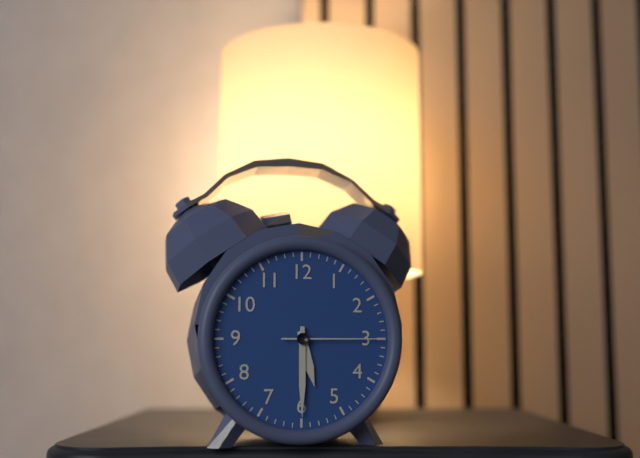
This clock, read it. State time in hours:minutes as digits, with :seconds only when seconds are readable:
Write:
5:30:15
